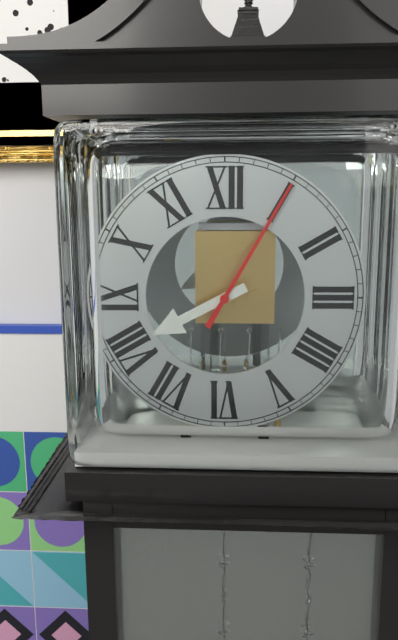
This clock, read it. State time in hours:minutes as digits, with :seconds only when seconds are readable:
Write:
8:05
